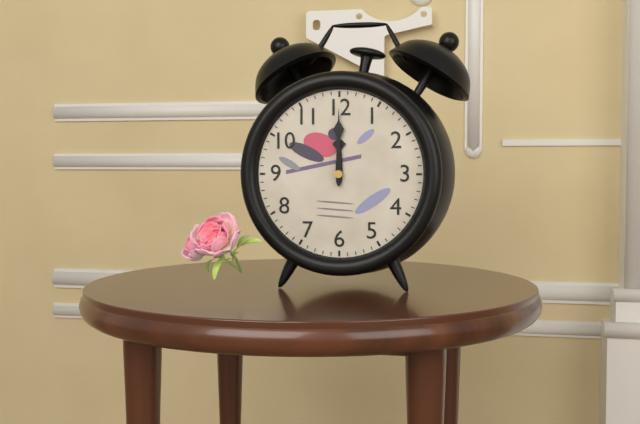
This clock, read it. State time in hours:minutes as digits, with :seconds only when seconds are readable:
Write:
12:00
